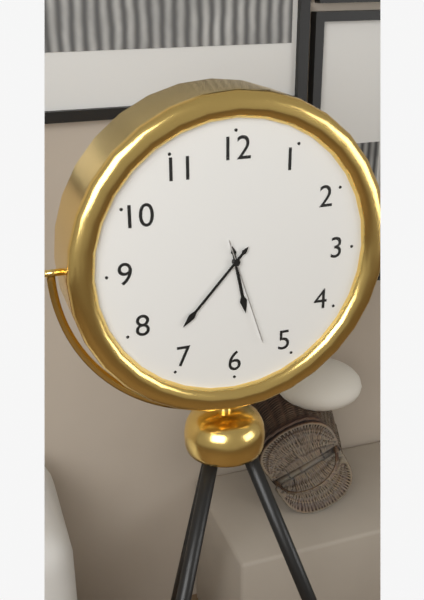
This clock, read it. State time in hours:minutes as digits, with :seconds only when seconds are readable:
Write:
5:37:27
